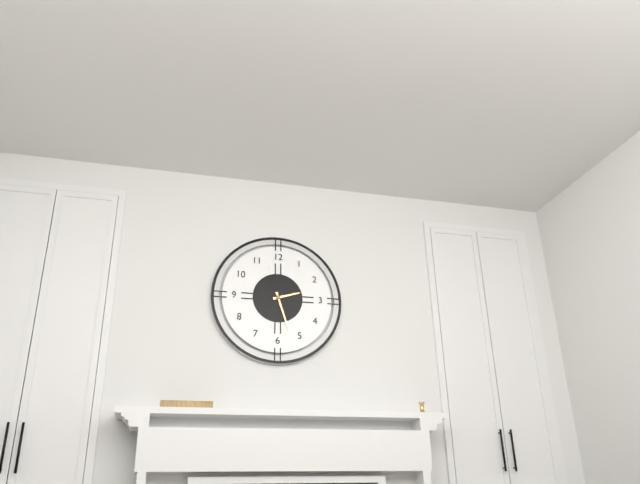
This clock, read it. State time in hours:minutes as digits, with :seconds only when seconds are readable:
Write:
2:27
